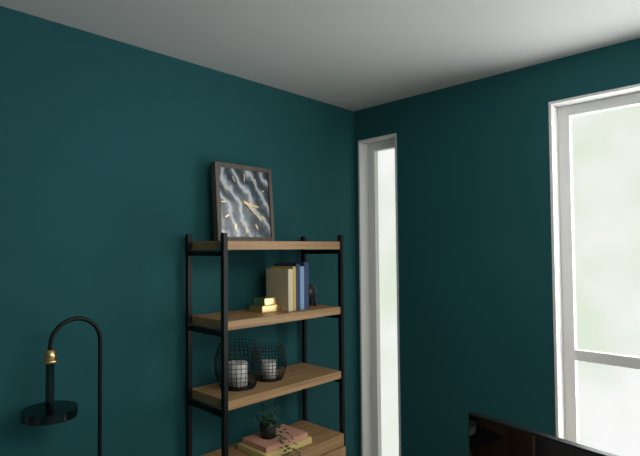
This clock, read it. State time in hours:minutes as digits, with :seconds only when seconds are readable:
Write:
3:22
